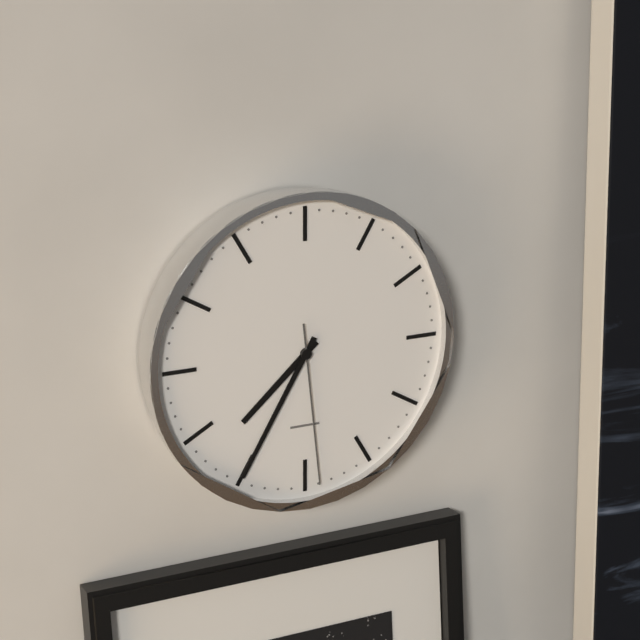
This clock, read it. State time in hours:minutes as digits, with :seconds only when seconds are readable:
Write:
7:35:29
